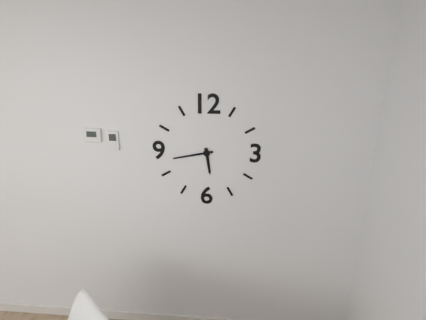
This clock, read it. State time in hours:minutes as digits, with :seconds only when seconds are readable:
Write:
5:43
